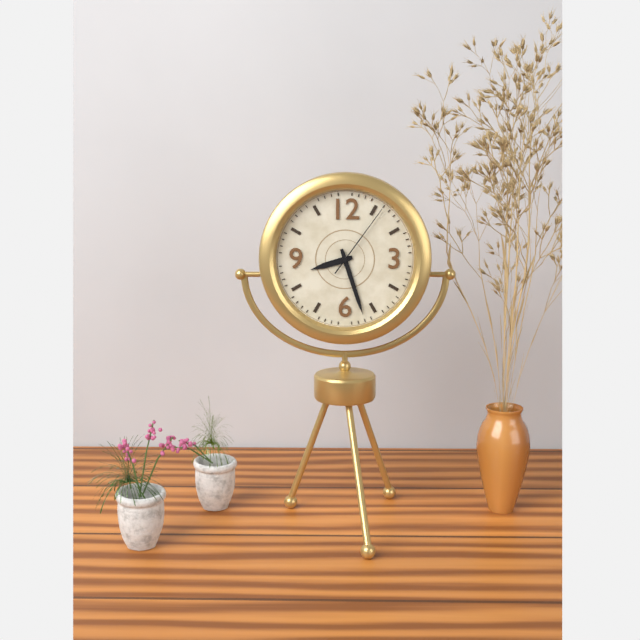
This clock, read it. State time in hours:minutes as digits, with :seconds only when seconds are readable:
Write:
8:27:06
